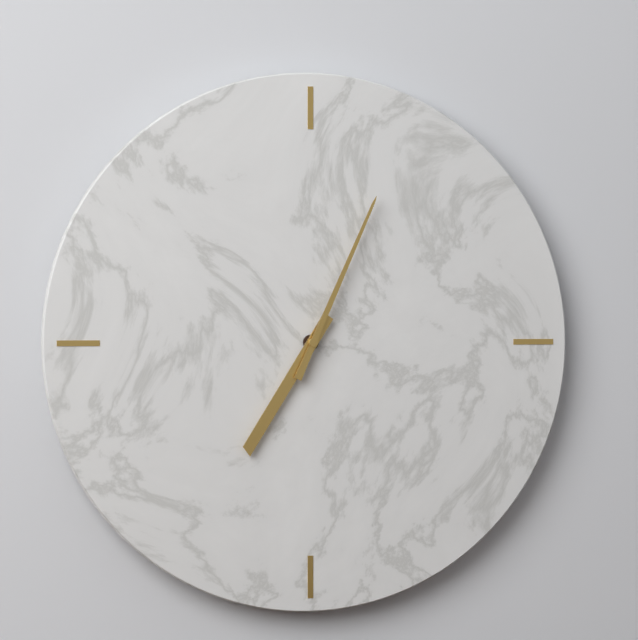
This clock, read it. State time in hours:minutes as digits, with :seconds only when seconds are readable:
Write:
7:04
